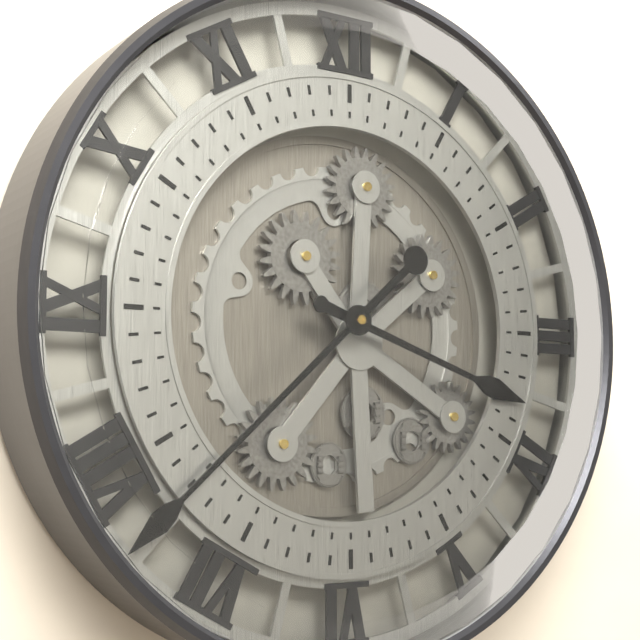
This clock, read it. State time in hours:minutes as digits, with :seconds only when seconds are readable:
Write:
3:38
